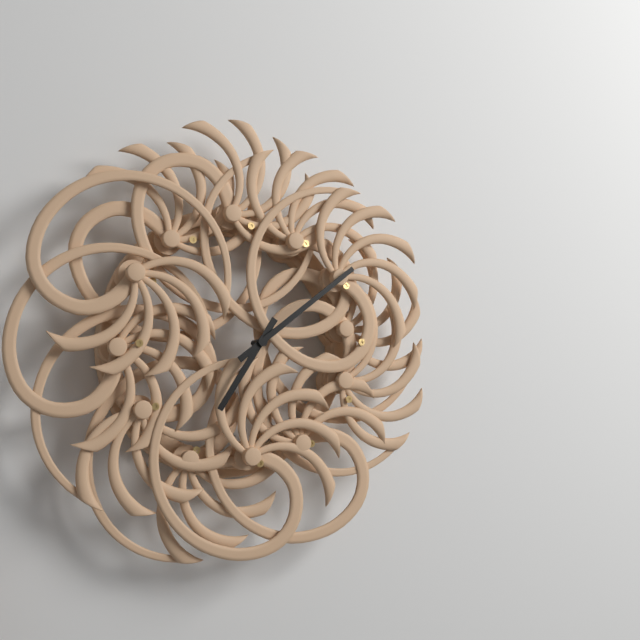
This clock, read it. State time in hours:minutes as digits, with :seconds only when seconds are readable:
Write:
7:09
